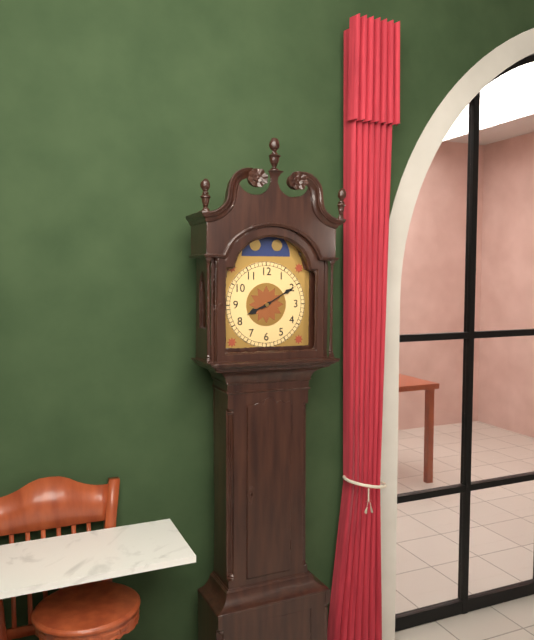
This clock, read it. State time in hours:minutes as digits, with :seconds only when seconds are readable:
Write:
8:10
